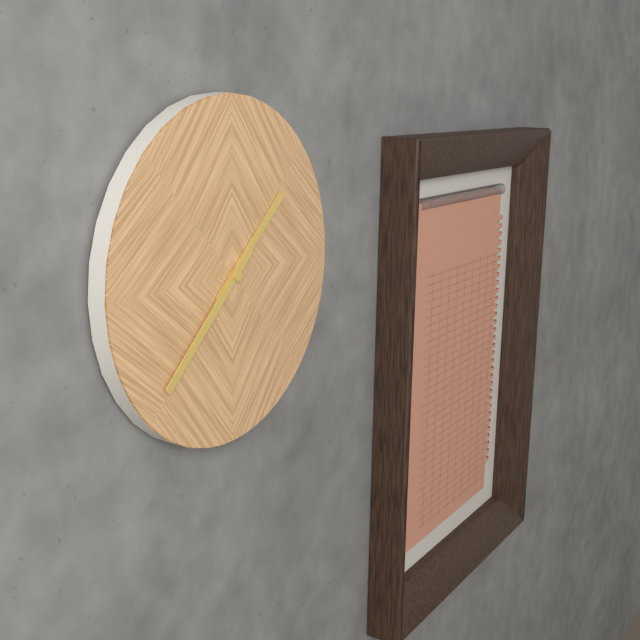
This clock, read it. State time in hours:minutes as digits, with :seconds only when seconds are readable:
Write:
1:38
